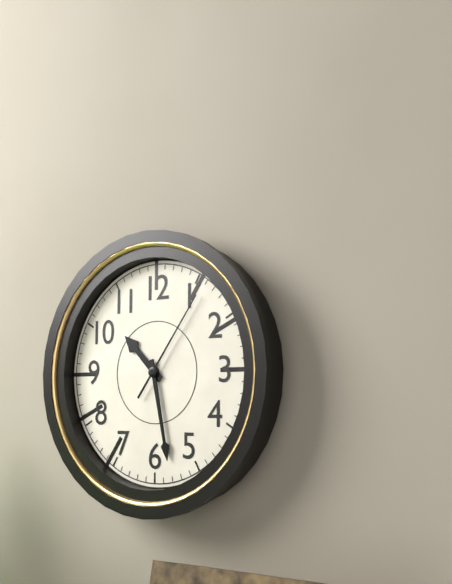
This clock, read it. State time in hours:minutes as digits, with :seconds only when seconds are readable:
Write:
10:28:06
